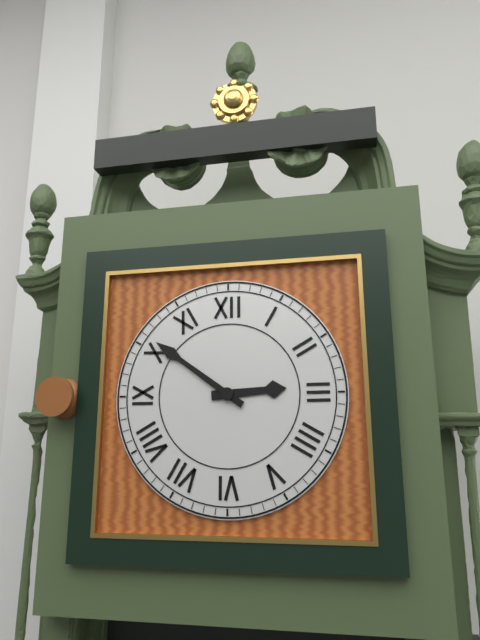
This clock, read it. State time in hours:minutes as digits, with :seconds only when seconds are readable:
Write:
2:51
